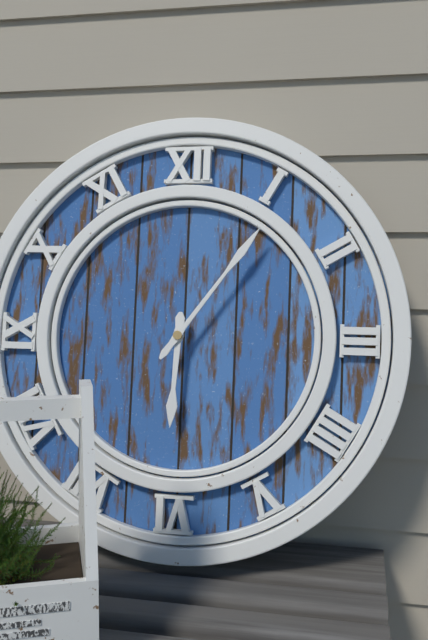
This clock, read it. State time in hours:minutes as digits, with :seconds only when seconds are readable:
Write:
6:06
